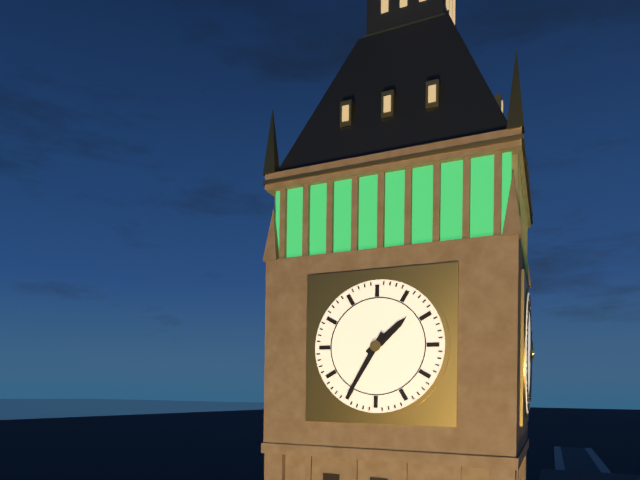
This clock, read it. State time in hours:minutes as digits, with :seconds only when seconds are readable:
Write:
1:35
